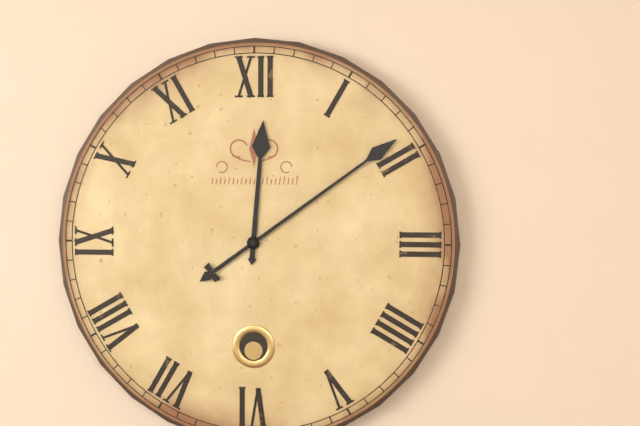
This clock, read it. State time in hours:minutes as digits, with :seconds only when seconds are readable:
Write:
12:09
